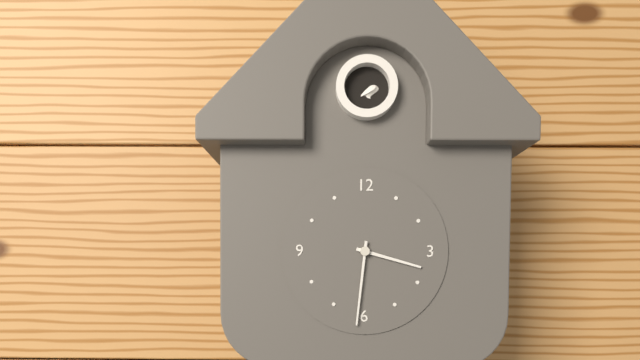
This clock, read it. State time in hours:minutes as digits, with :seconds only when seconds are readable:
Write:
3:31
